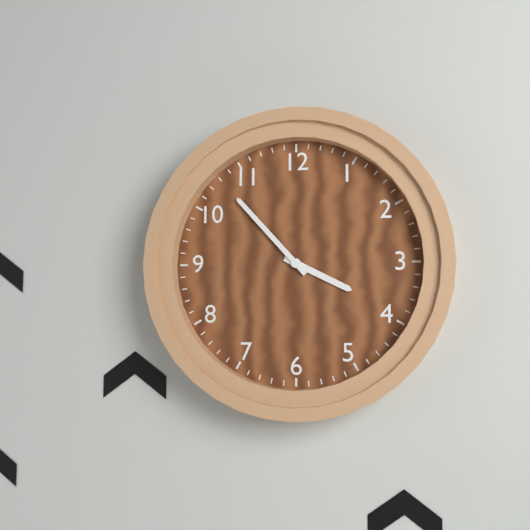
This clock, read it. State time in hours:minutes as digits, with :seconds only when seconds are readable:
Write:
3:53
